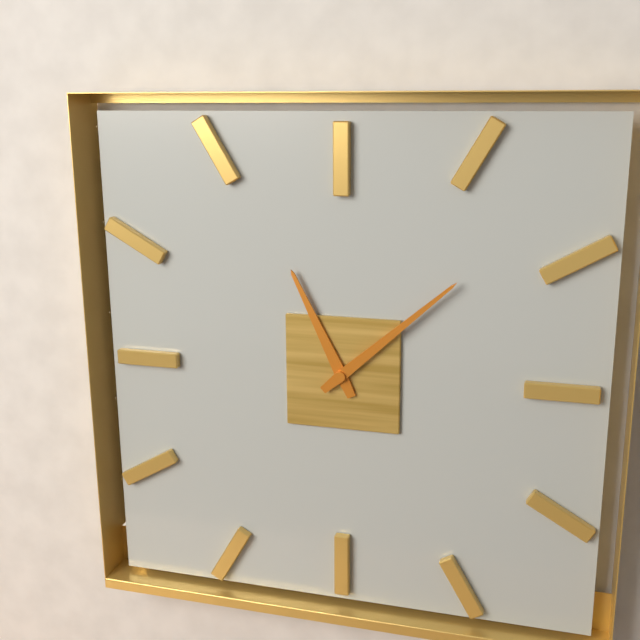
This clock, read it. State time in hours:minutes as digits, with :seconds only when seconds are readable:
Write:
11:08
